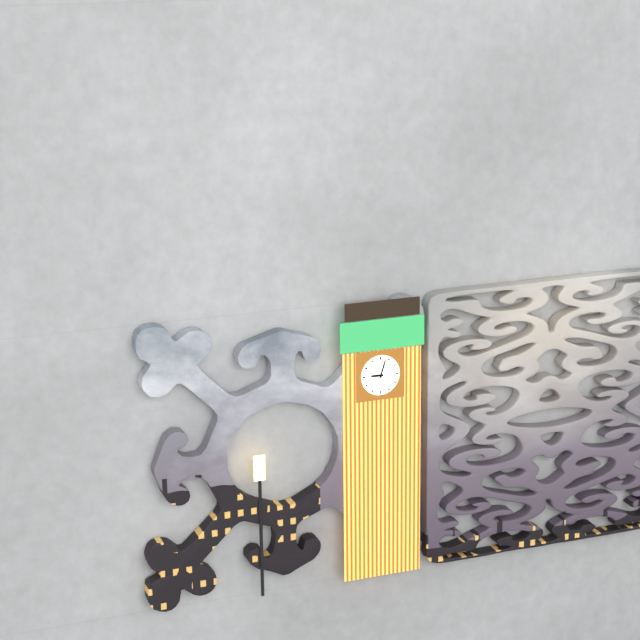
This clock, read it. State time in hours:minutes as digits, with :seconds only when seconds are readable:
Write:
9:03
